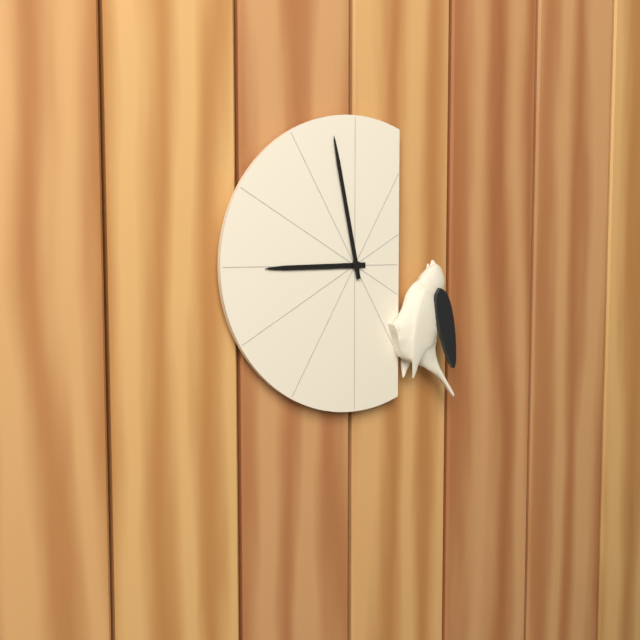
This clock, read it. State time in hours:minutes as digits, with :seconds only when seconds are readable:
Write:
8:58
